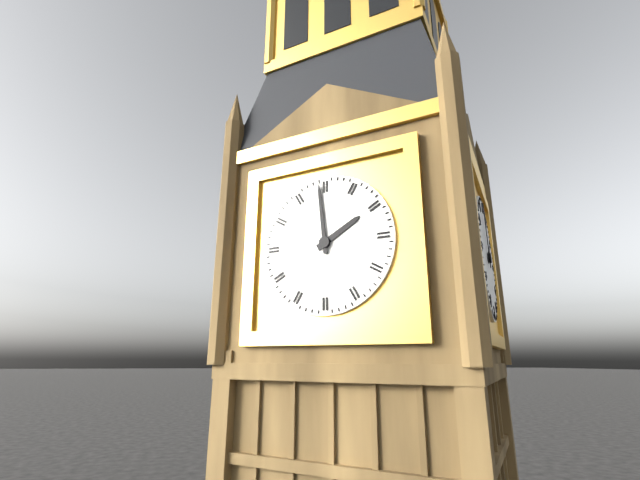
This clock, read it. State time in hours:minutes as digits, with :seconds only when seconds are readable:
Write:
1:59
